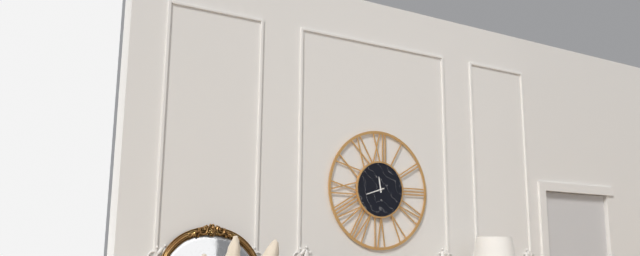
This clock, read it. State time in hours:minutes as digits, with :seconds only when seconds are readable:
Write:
11:42
